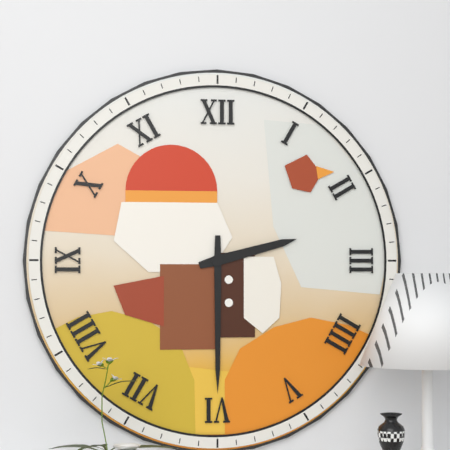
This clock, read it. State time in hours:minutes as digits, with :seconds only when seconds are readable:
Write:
2:30
